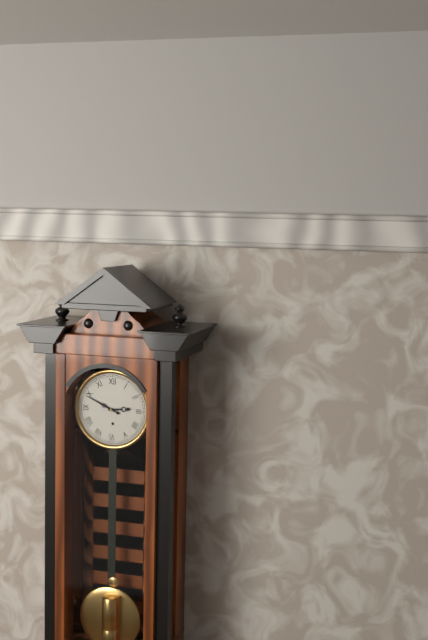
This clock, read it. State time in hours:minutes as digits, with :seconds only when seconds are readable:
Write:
2:49
